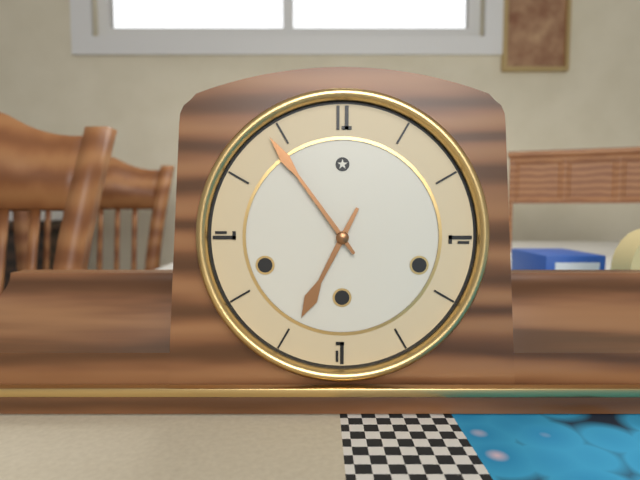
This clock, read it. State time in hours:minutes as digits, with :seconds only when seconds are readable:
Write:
6:54
